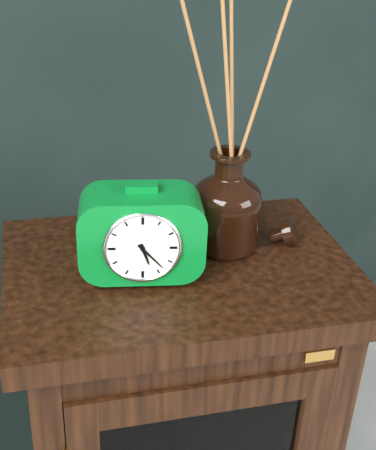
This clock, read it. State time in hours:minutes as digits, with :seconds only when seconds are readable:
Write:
5:23
